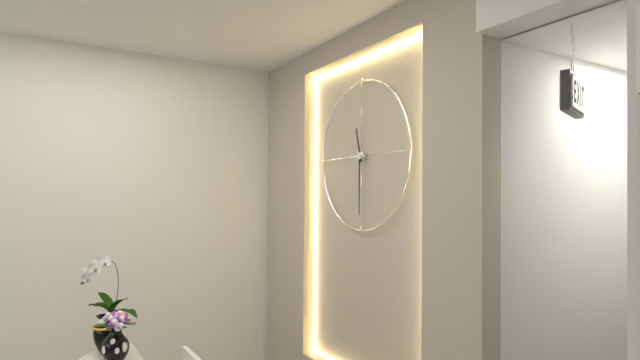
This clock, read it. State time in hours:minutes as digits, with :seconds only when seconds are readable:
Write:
11:30
